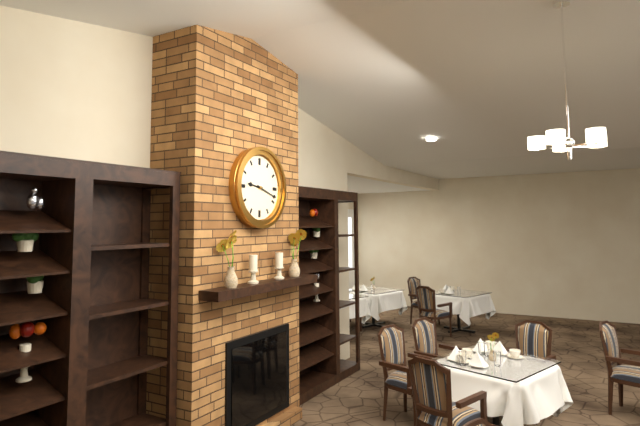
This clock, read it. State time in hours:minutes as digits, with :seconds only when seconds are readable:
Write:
9:18
